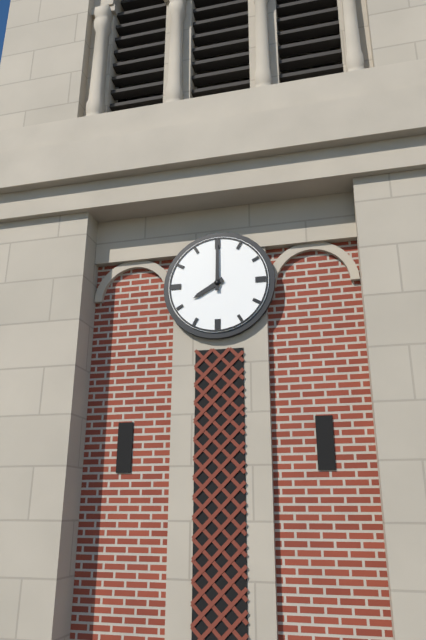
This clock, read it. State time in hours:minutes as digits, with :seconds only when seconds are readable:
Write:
8:00
